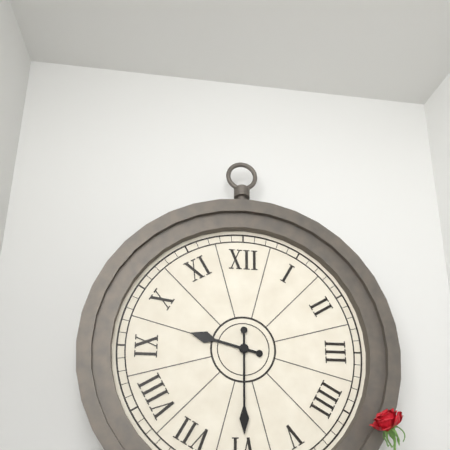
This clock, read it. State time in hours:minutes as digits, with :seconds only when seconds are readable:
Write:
9:30
